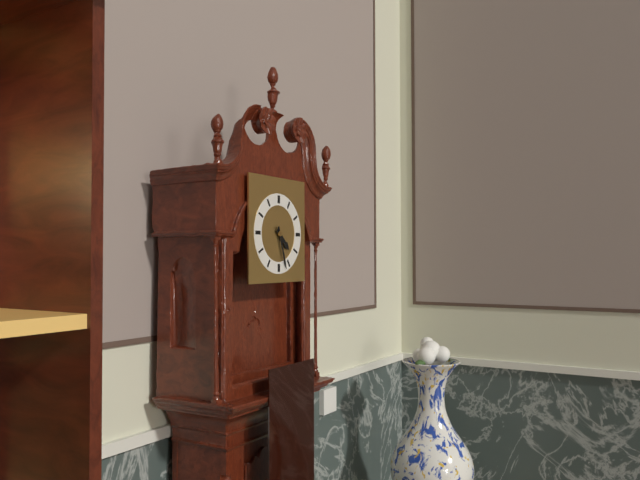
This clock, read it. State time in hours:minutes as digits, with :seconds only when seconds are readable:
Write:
4:27
